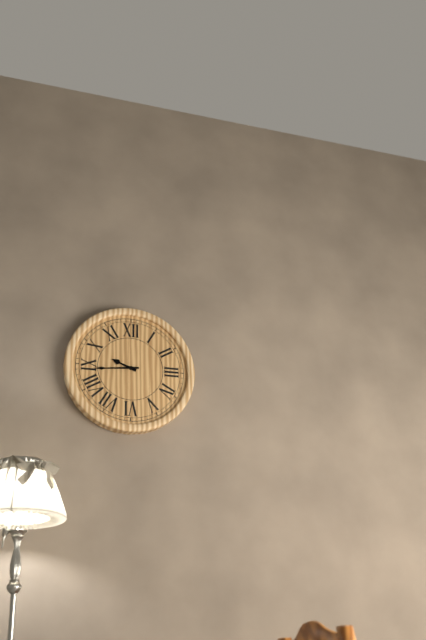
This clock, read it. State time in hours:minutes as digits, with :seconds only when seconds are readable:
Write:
9:44
